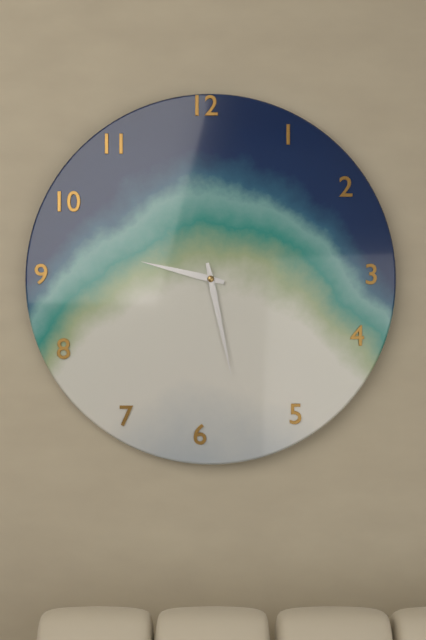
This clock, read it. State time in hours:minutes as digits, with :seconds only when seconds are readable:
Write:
9:28
